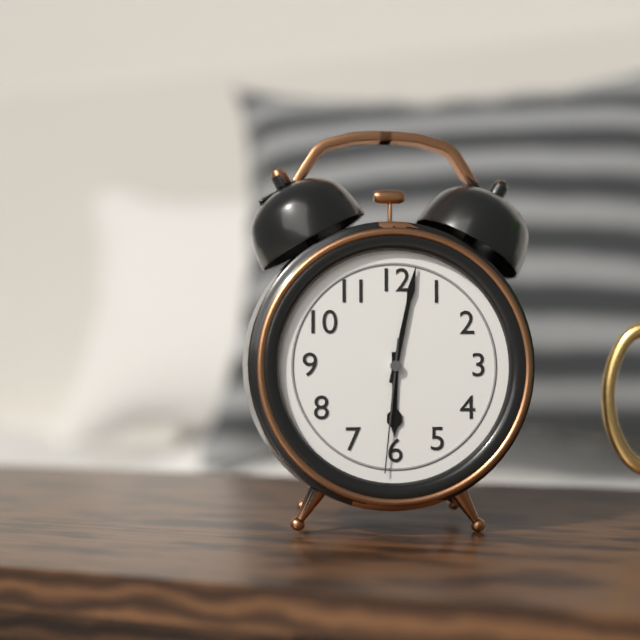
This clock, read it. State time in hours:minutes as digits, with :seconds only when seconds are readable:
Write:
6:02:31
